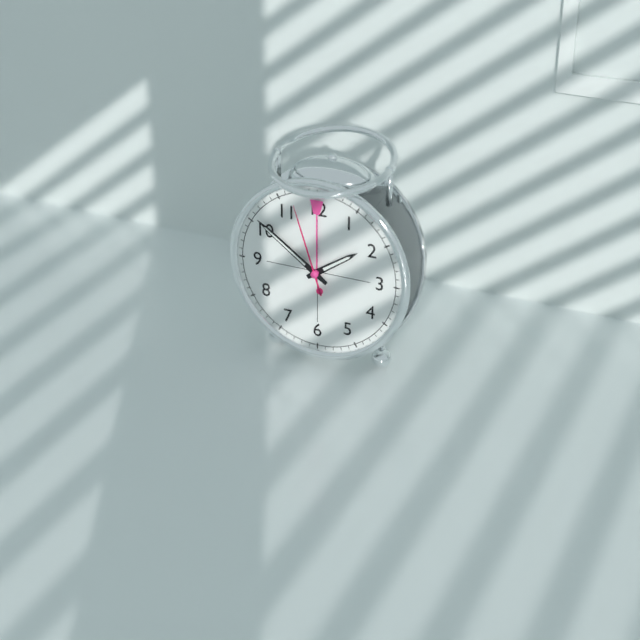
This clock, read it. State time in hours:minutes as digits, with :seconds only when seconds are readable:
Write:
1:51:57
